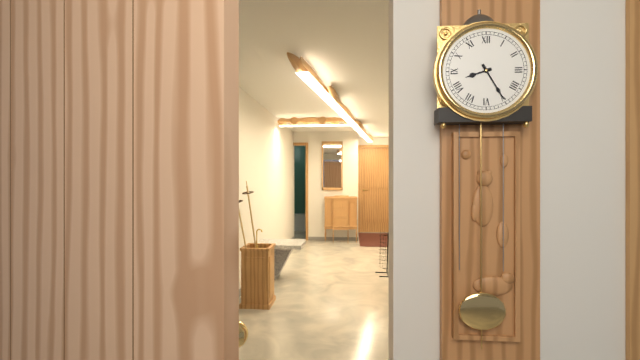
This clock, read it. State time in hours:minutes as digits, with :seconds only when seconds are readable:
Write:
8:25
